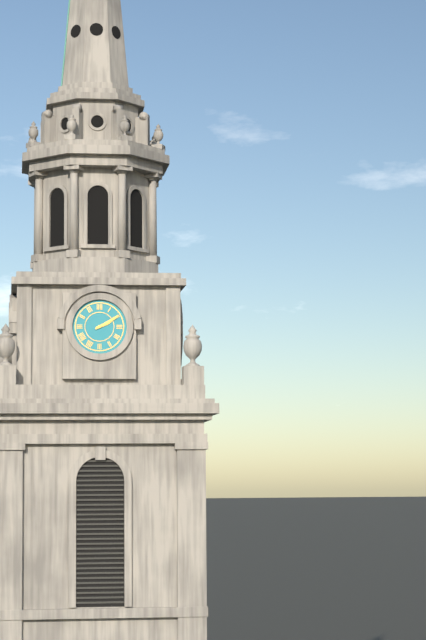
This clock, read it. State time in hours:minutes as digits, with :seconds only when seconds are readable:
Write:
2:10
